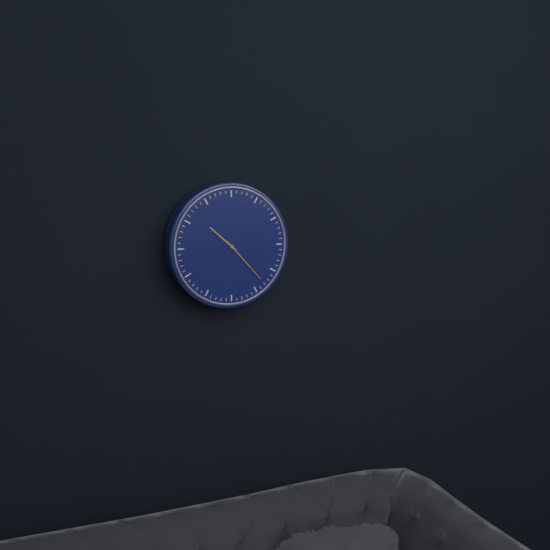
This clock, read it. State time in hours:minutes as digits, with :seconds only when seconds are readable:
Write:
10:23
